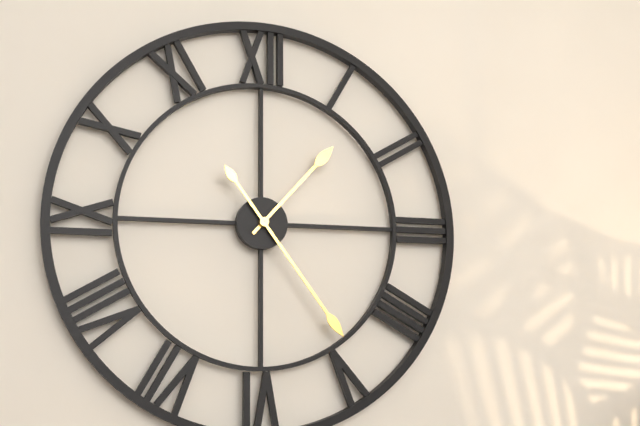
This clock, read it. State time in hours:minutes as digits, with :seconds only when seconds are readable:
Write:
1:24
